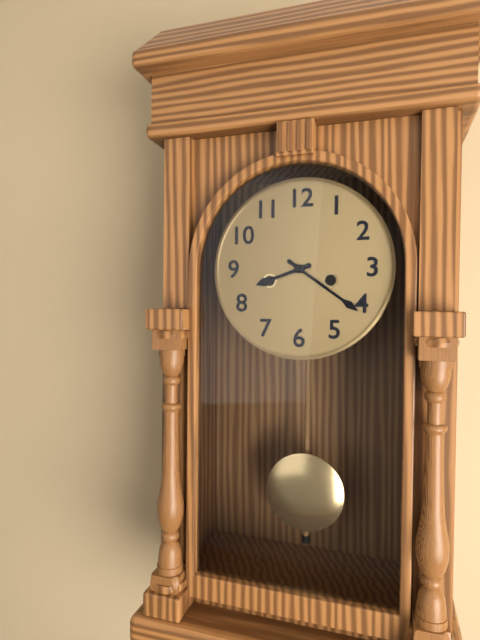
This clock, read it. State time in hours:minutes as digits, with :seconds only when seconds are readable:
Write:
8:21
